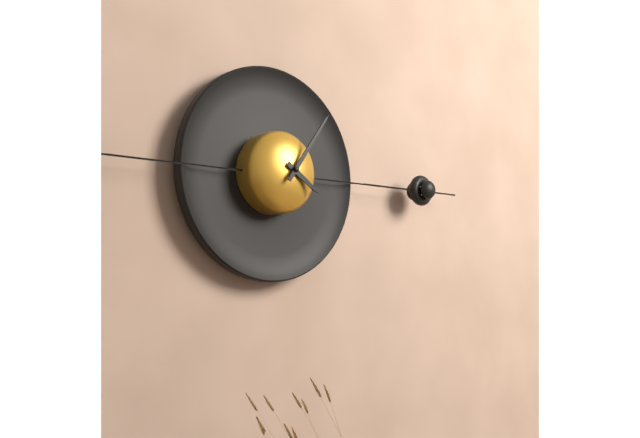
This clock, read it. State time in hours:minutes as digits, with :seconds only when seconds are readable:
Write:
4:06
